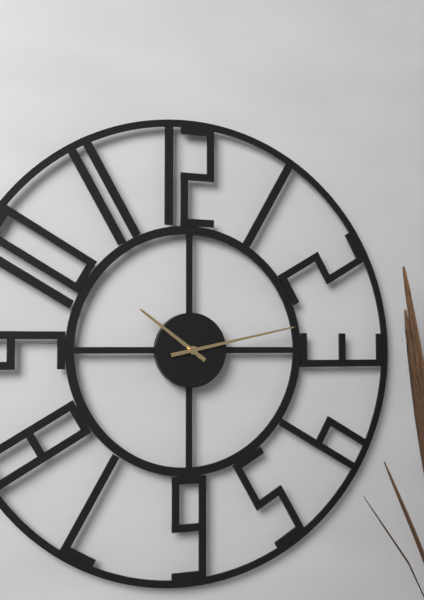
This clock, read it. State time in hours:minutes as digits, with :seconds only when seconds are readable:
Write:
10:13
